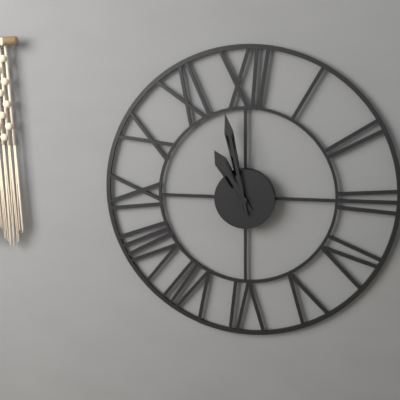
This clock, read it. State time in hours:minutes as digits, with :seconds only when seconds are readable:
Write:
10:58
